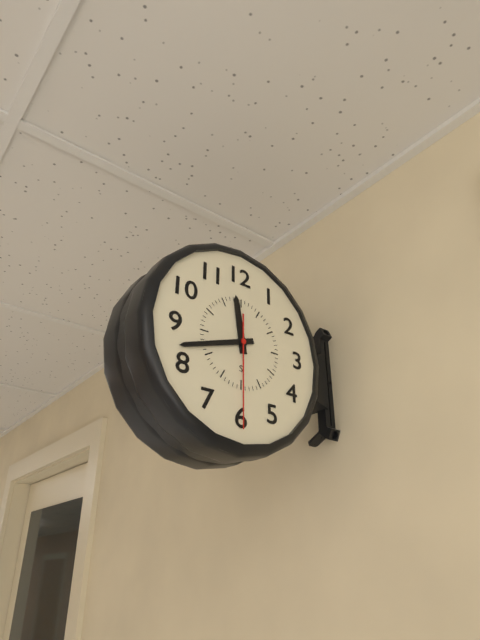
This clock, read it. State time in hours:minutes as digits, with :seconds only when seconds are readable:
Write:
11:42:30
